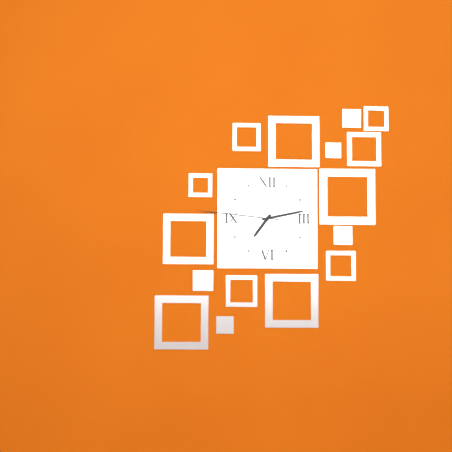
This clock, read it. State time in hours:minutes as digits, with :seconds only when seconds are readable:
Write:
7:13:46
